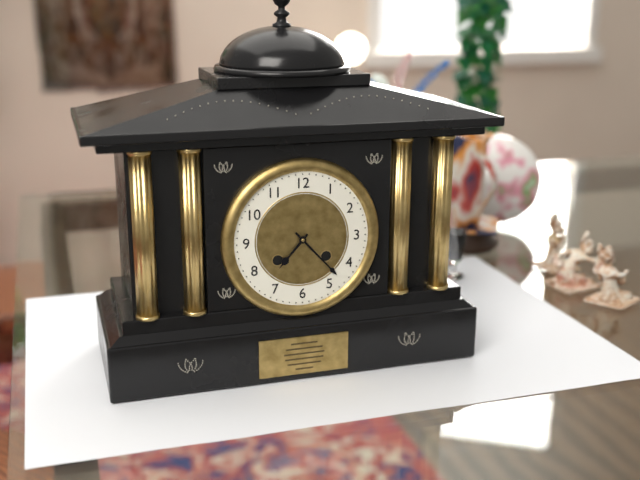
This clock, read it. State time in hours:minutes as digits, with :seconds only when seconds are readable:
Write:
7:23
